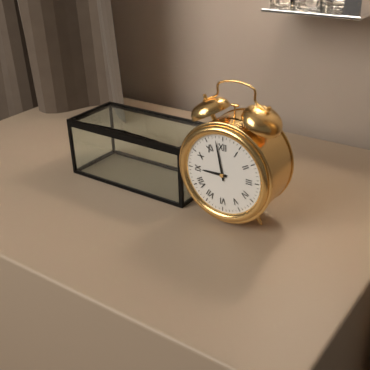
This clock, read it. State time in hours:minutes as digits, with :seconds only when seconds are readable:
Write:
8:58
